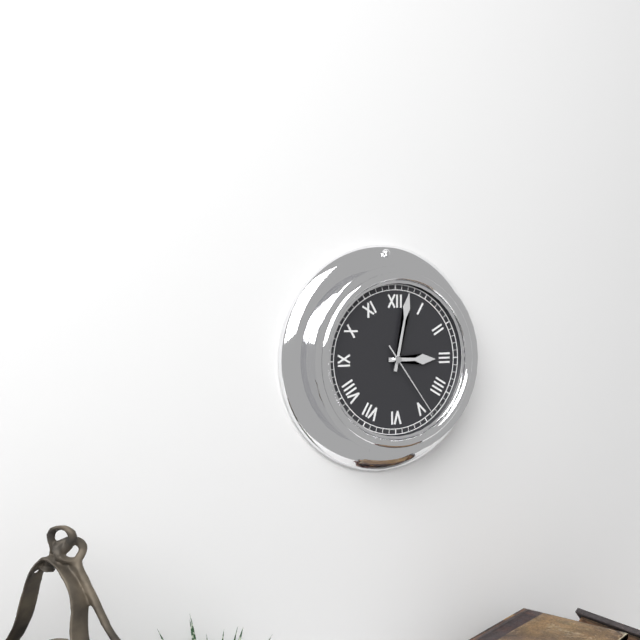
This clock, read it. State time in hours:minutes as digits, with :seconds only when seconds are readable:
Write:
3:02:24
